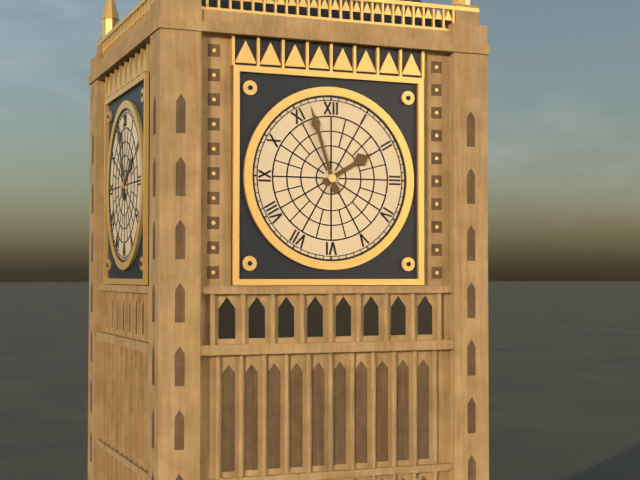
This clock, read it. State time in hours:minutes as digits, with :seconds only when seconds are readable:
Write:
1:57
